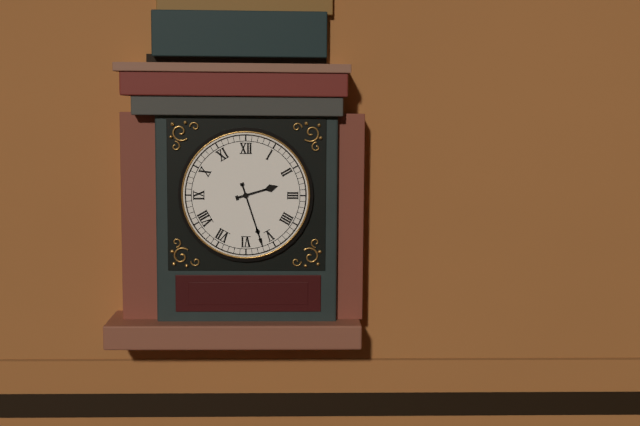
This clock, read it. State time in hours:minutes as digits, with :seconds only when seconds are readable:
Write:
2:27
